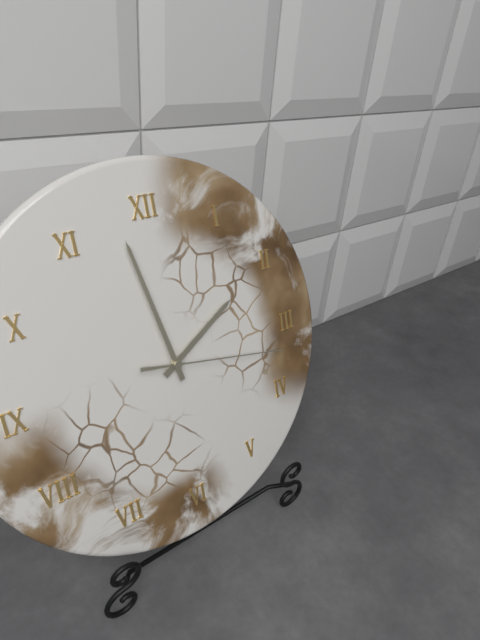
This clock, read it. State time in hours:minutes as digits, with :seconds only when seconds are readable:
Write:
1:58:17
